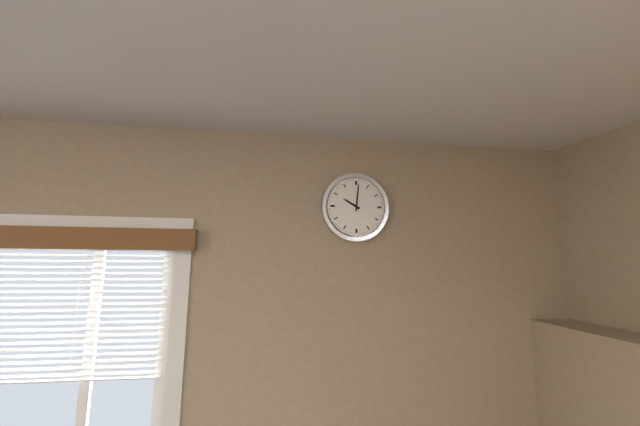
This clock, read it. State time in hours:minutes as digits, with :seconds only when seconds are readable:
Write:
10:01
